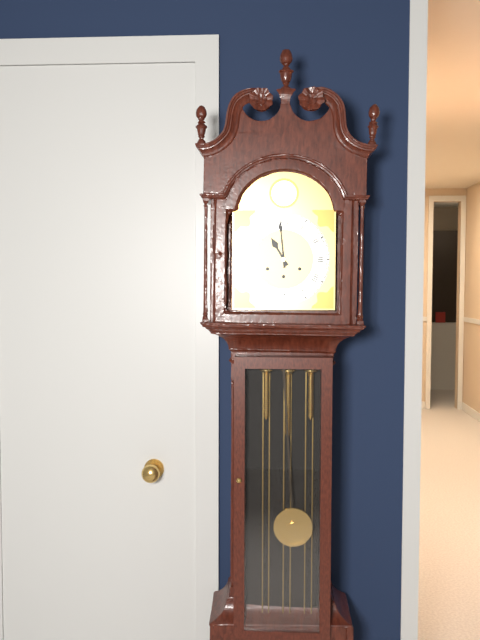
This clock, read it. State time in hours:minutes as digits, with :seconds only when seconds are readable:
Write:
10:59
